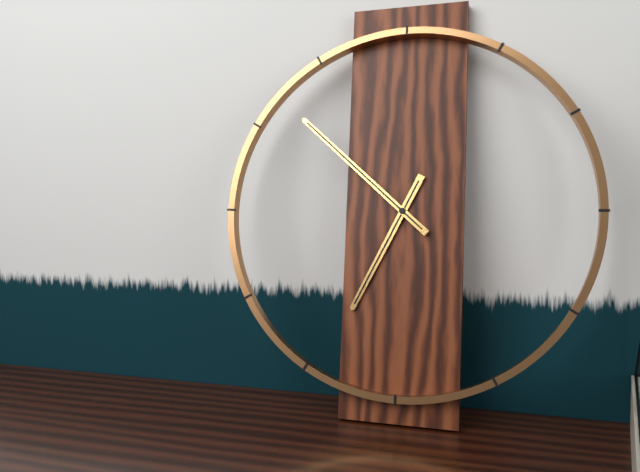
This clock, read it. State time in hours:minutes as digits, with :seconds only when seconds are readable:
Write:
6:52
